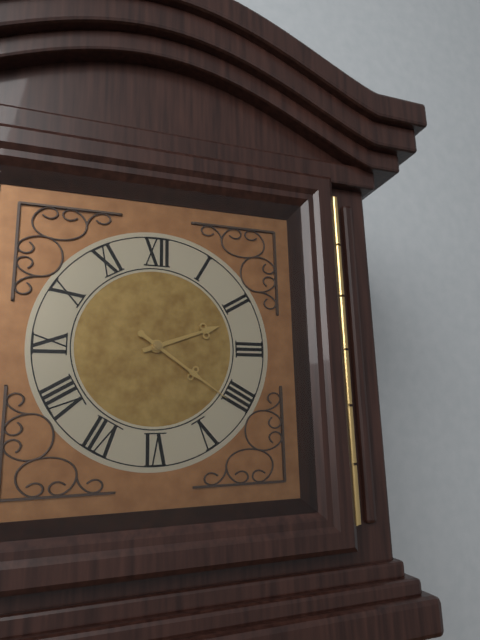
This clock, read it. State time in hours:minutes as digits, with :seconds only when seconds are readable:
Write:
2:21
